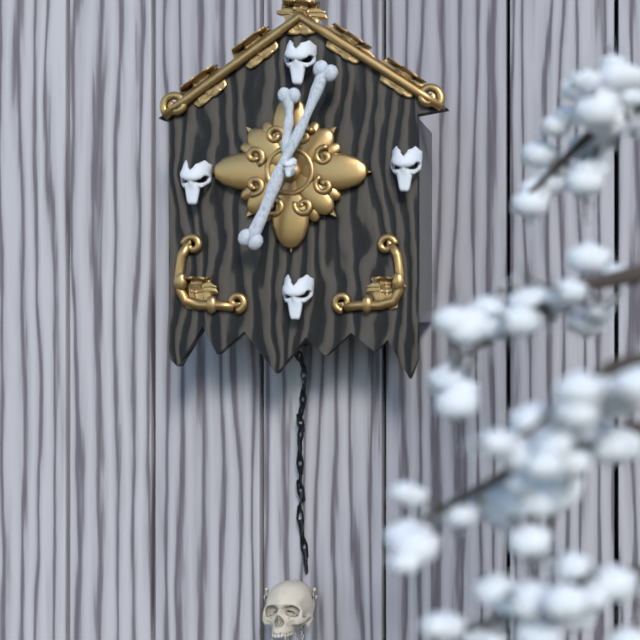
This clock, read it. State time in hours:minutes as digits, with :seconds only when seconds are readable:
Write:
12:04
